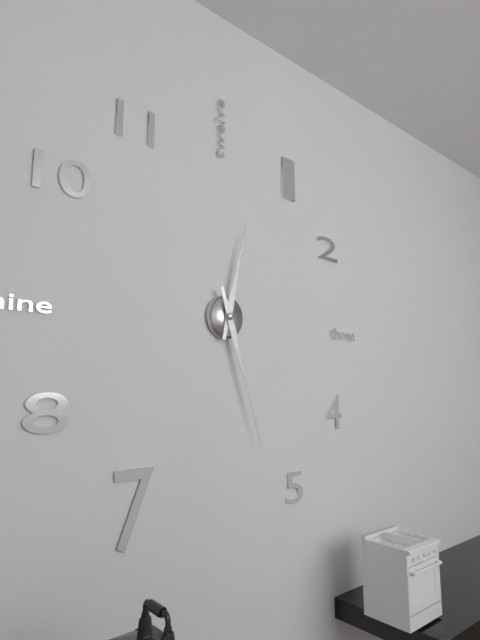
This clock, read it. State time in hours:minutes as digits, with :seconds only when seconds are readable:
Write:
12:27
